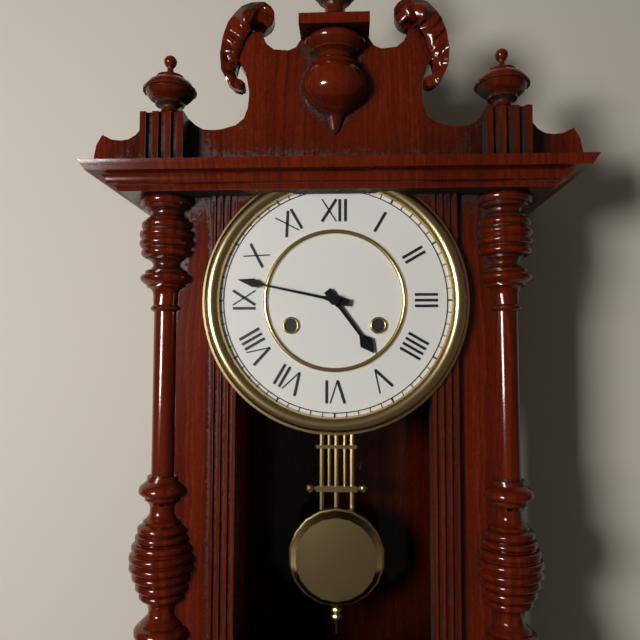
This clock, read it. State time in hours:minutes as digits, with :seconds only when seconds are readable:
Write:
4:47
